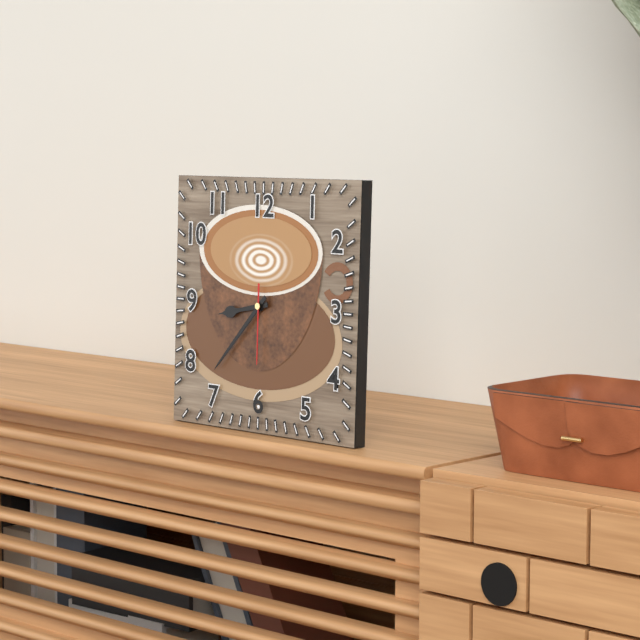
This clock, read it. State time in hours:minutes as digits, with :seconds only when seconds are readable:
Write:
8:37:30
